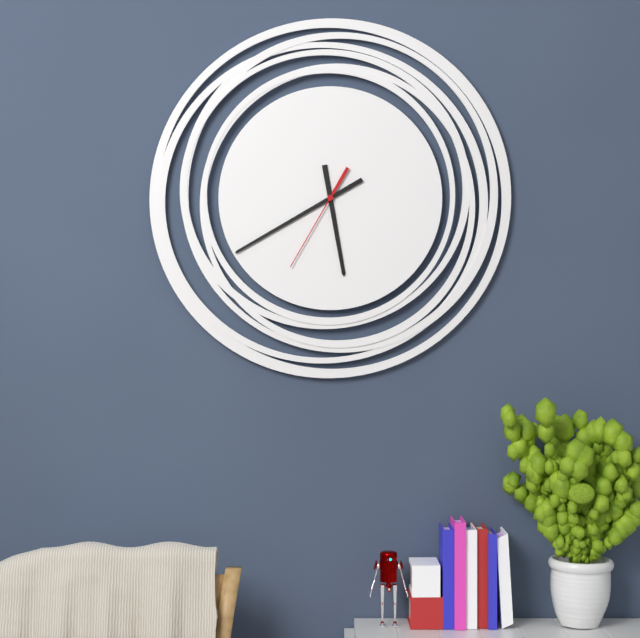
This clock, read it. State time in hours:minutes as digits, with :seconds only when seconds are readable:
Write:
5:40:35
